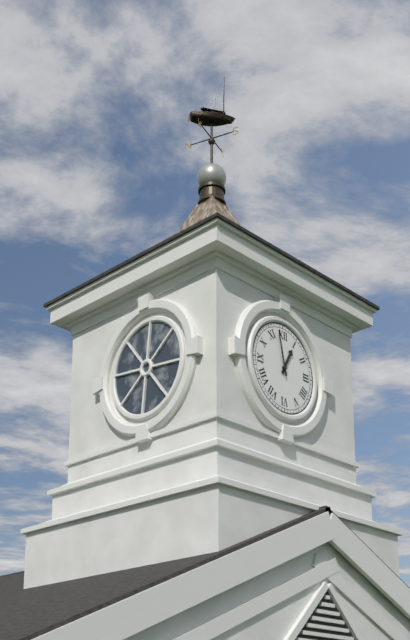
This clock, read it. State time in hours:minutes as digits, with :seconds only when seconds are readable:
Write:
12:58
